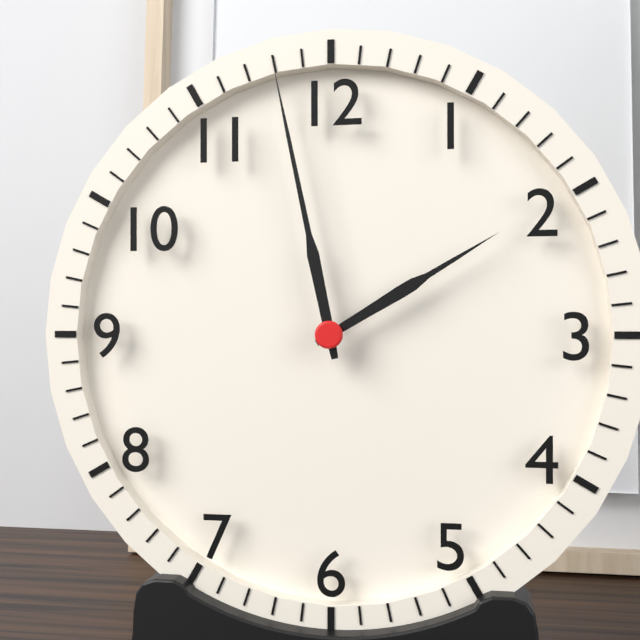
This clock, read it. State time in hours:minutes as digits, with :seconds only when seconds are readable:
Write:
1:58
